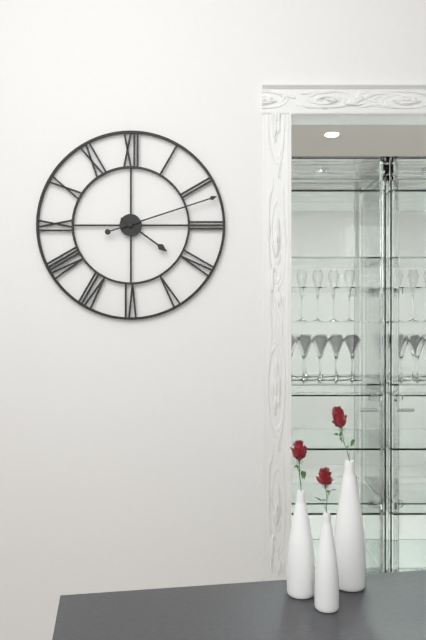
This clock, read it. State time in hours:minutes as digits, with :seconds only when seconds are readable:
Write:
4:12
